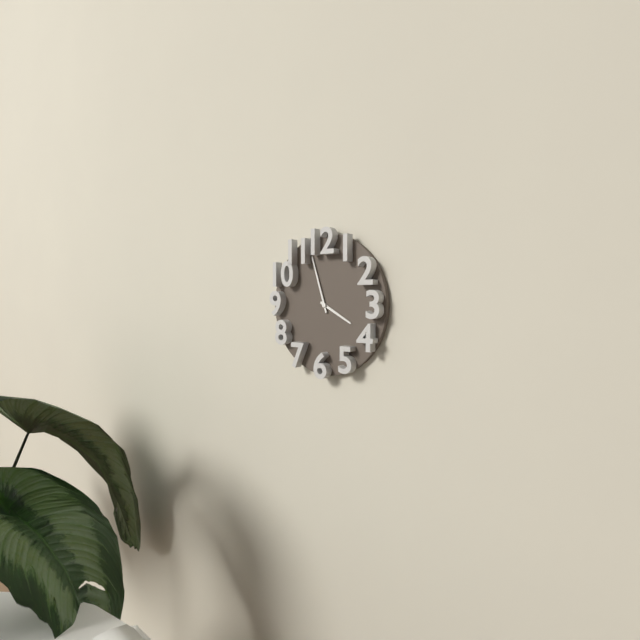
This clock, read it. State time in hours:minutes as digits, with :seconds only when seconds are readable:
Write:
3:57
